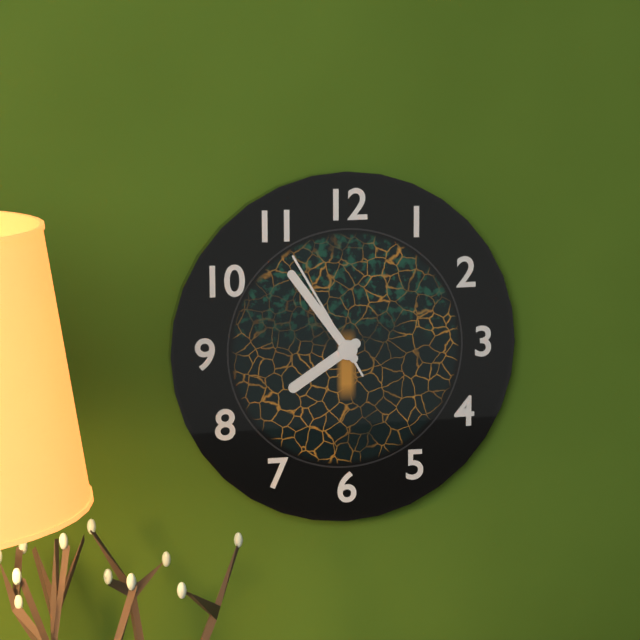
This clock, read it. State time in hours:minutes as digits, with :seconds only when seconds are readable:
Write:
7:54:55
